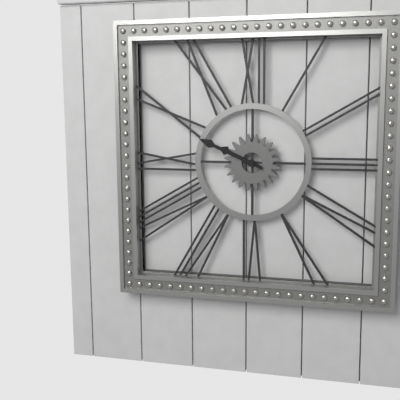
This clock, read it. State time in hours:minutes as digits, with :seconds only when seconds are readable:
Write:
9:49
